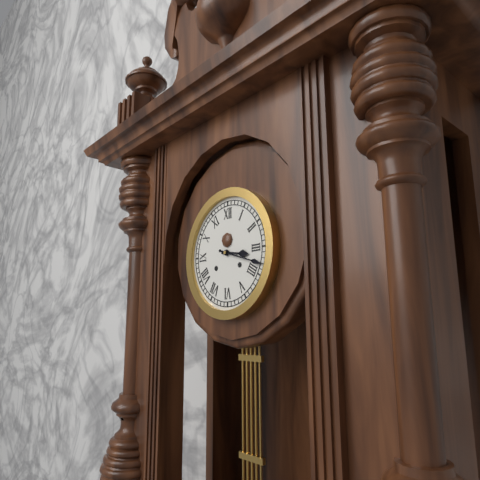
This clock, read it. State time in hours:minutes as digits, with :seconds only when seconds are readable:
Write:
3:18
